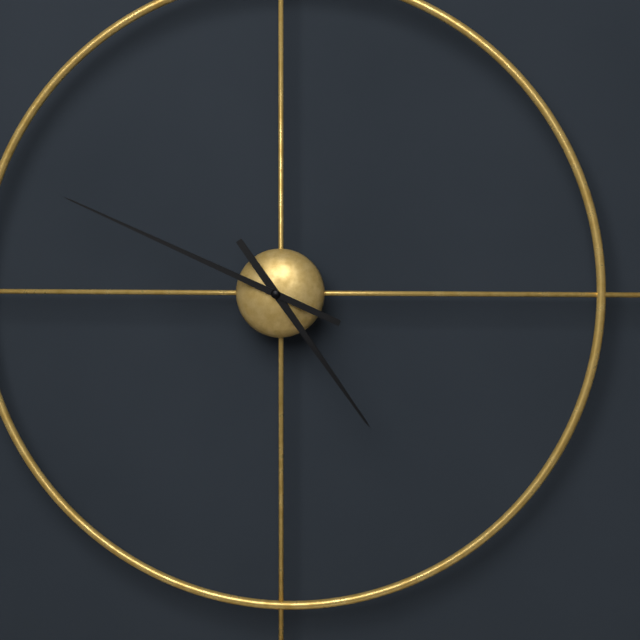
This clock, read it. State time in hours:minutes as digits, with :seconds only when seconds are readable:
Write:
4:49
